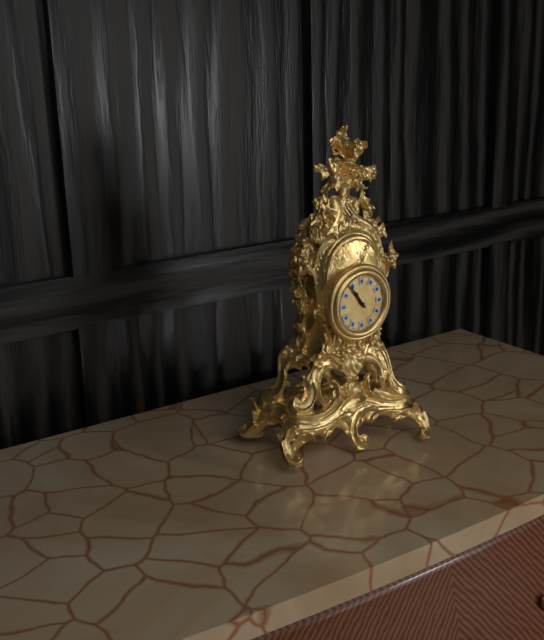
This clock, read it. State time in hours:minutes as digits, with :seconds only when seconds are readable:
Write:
10:54
